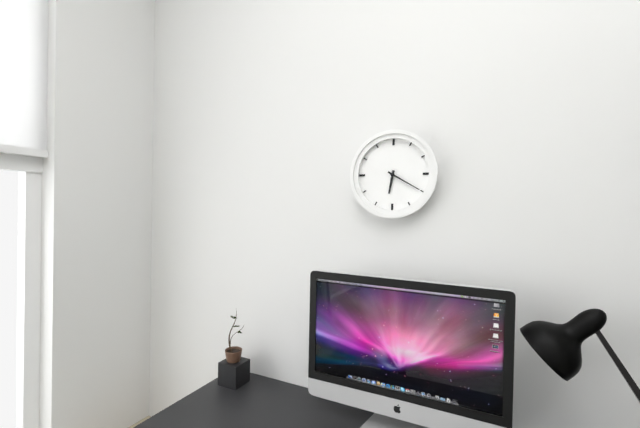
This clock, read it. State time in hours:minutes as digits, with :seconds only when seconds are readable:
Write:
6:20
